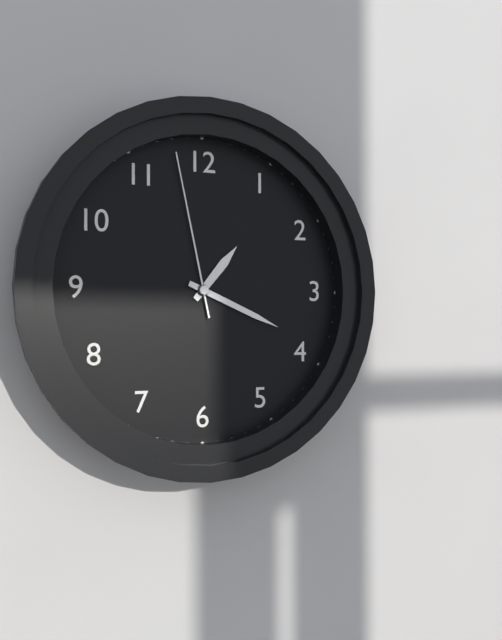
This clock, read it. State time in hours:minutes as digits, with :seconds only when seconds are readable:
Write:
1:19:58
